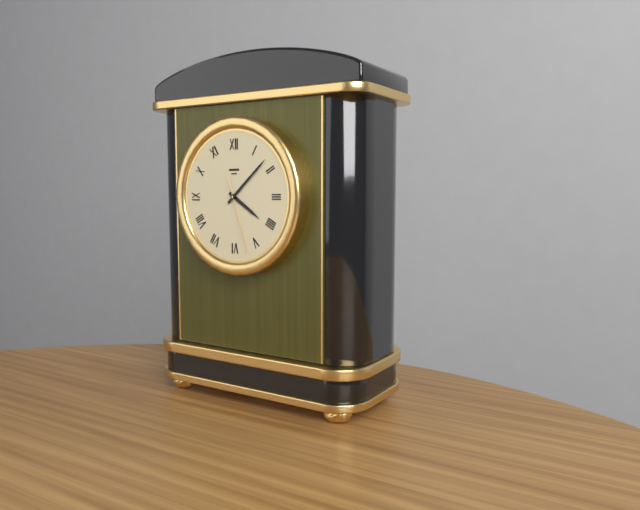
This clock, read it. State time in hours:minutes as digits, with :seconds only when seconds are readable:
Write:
4:08:27
